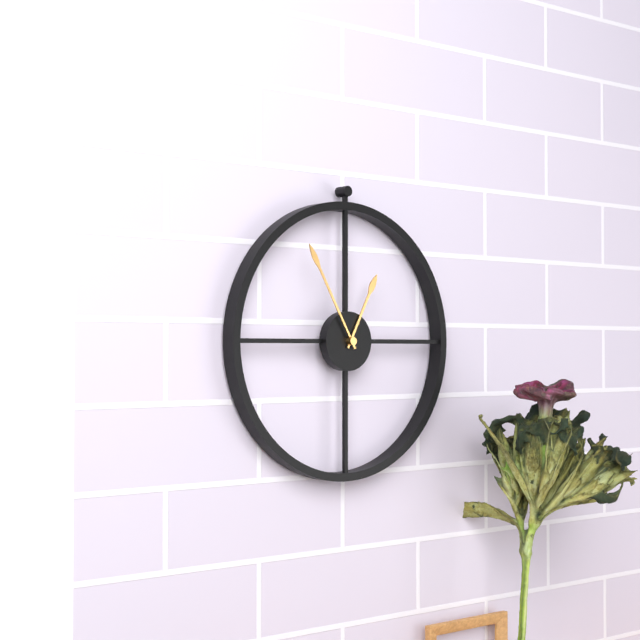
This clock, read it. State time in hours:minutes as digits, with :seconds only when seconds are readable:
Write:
12:55
